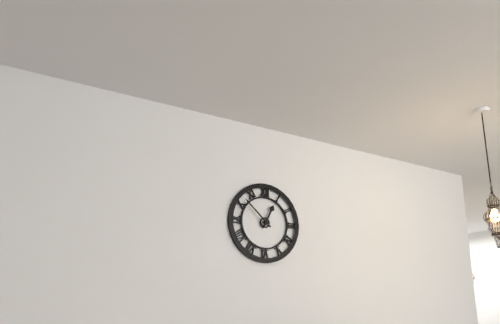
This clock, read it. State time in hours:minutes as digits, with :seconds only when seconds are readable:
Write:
12:52
